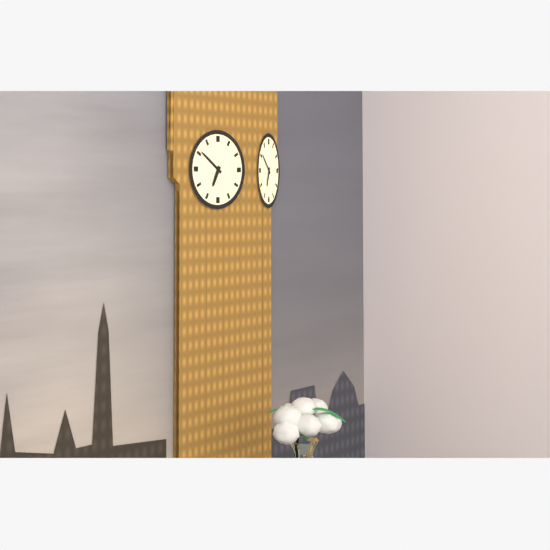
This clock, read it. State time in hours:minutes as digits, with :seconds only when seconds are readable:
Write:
6:51
